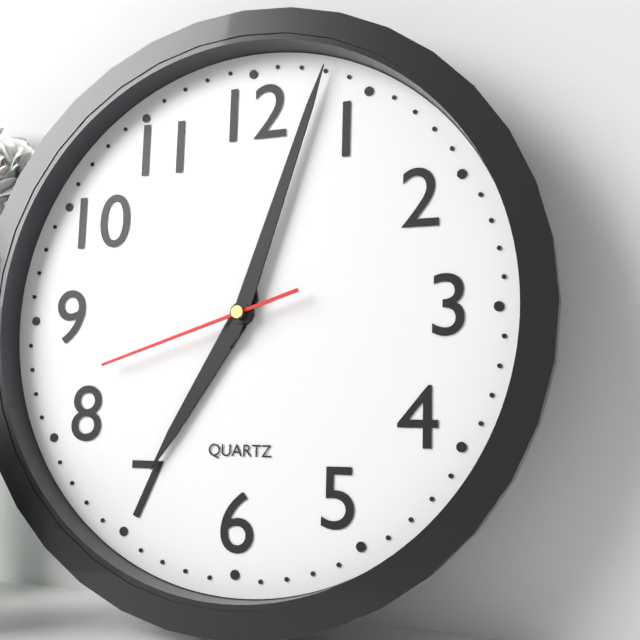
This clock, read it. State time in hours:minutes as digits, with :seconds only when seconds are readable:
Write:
7:03:42
